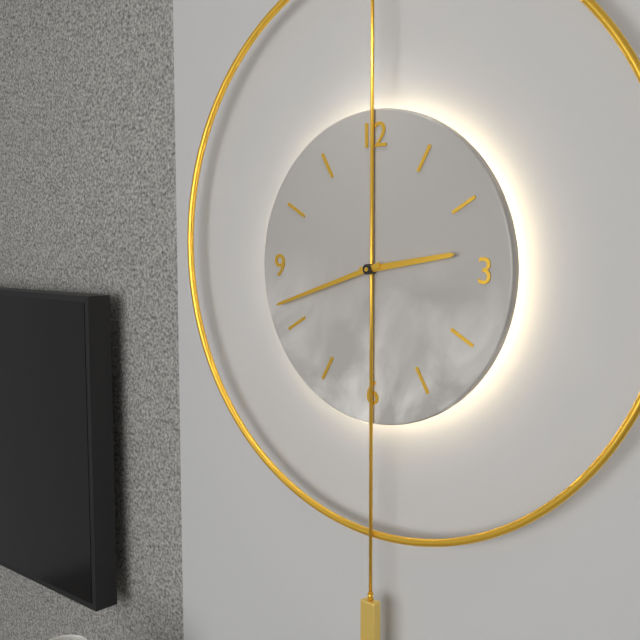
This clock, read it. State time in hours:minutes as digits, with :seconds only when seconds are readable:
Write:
2:42
